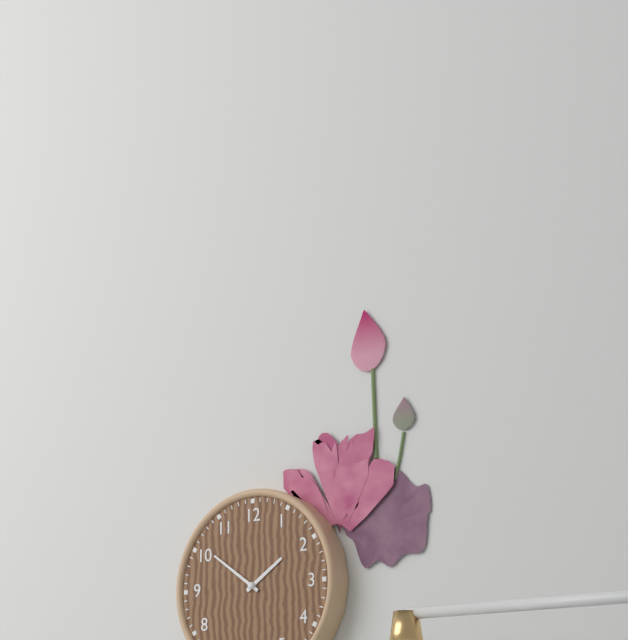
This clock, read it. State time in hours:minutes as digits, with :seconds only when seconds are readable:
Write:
1:51
